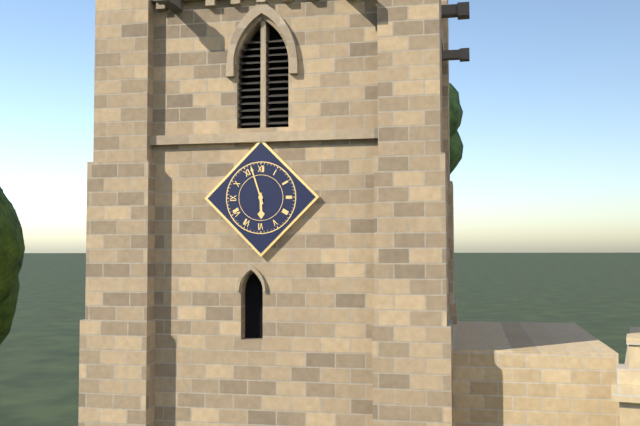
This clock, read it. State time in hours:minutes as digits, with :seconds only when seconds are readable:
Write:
5:57
